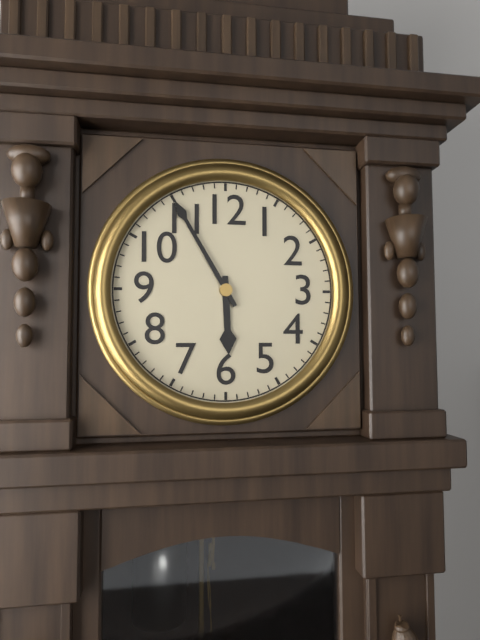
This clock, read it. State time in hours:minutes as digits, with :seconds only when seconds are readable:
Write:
5:55
